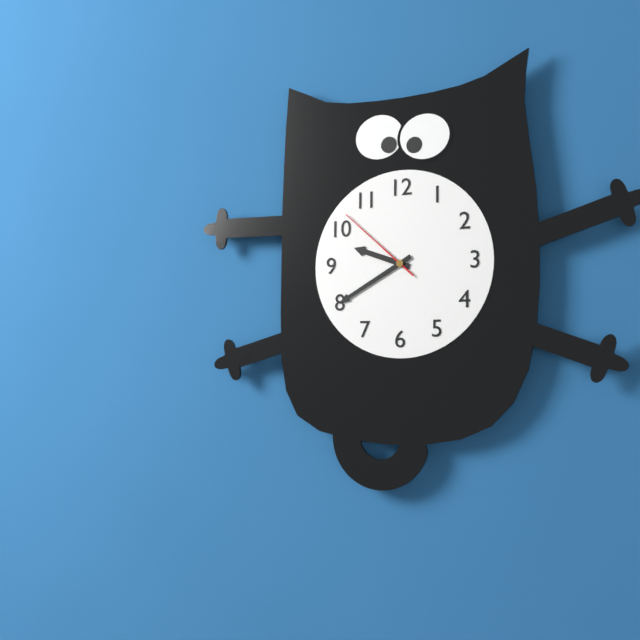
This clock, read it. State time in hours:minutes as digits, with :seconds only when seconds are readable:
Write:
9:40:52
